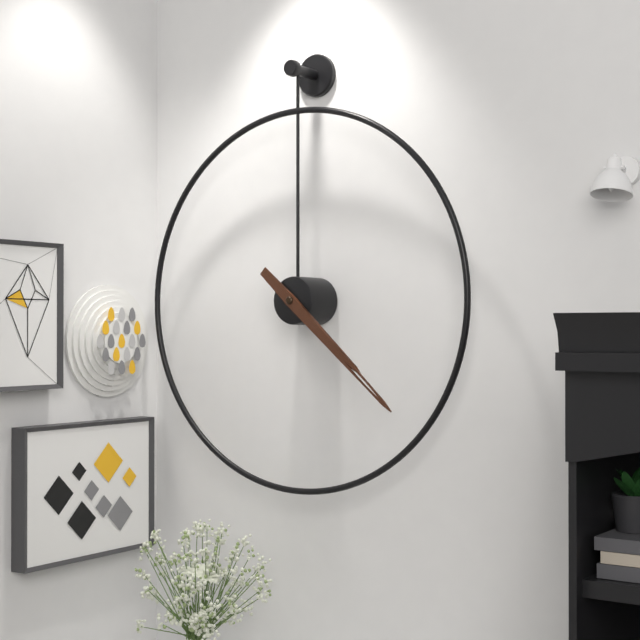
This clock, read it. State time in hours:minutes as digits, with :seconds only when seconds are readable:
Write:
4:22
